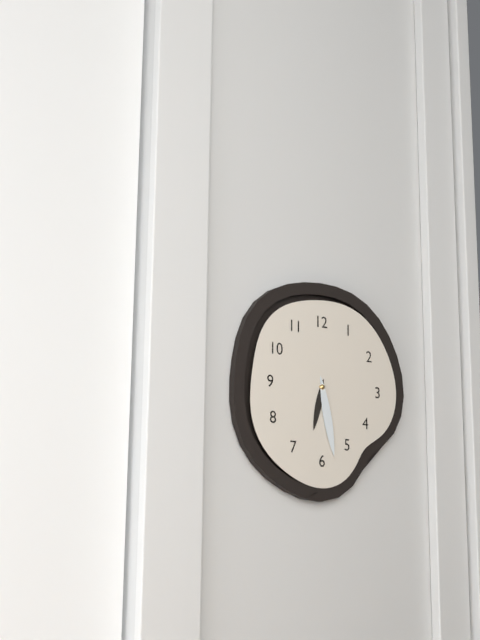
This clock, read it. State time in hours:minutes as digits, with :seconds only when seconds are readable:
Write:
6:28
